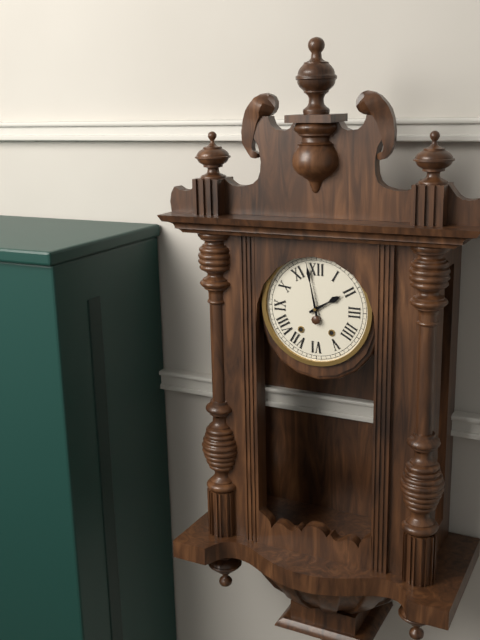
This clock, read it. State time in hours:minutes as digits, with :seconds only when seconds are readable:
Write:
1:58
